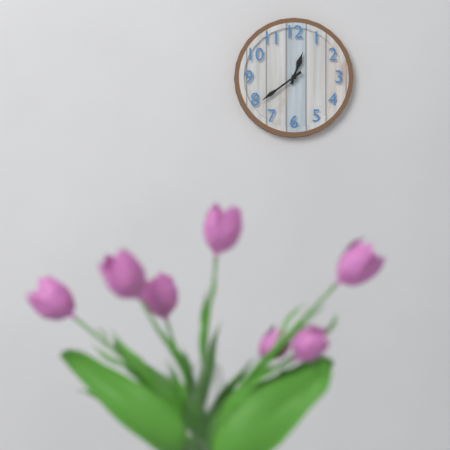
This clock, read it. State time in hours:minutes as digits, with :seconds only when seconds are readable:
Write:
12:39
